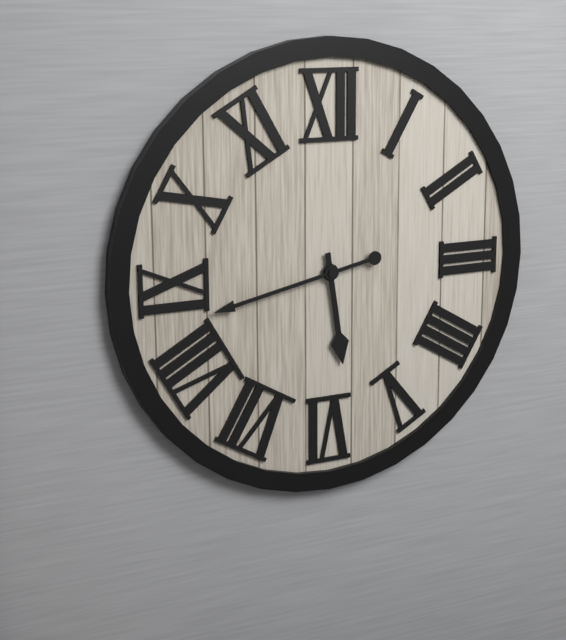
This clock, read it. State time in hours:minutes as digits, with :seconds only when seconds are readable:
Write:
5:43
